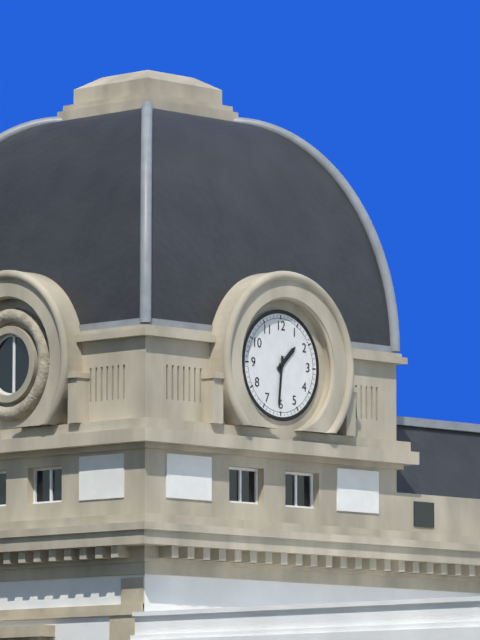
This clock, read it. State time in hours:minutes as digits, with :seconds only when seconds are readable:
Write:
1:31
